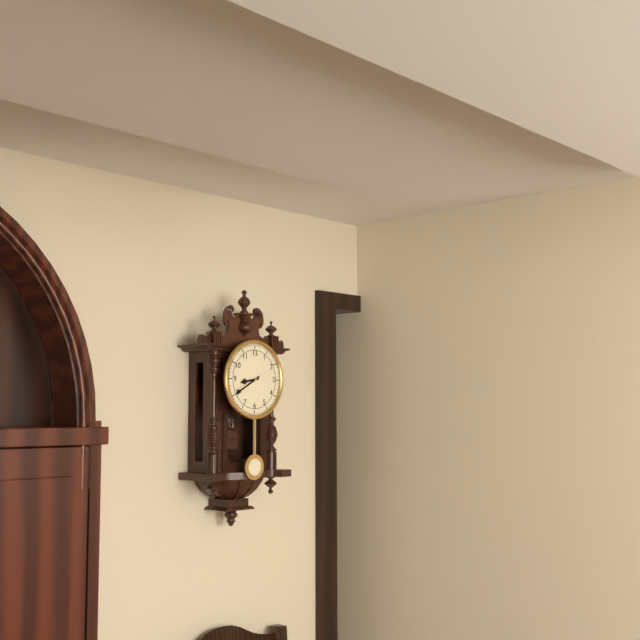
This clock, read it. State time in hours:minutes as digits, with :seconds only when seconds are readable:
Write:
8:40
